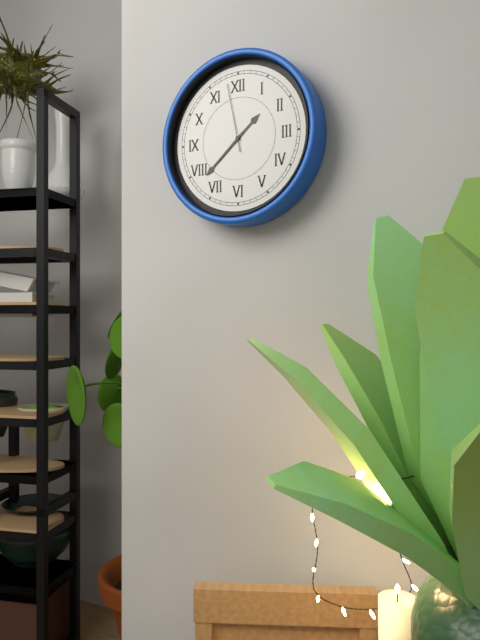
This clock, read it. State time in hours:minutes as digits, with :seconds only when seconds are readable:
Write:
1:38:58
